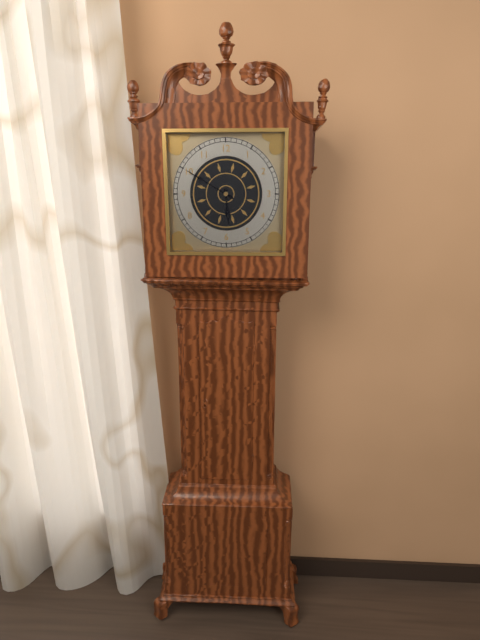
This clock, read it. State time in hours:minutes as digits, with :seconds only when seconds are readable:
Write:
5:50
